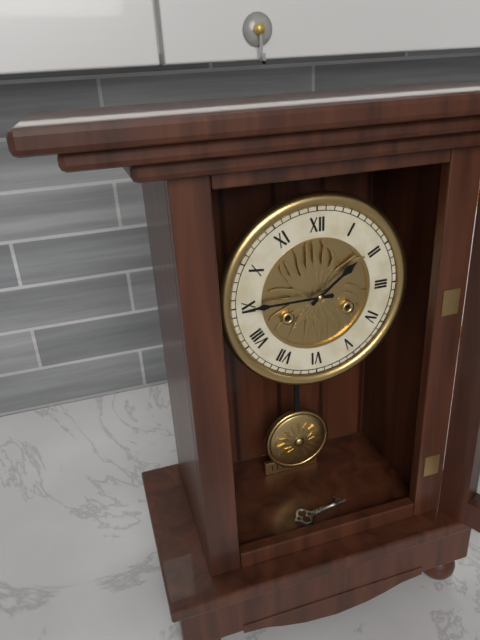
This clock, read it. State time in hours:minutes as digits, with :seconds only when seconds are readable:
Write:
1:45
